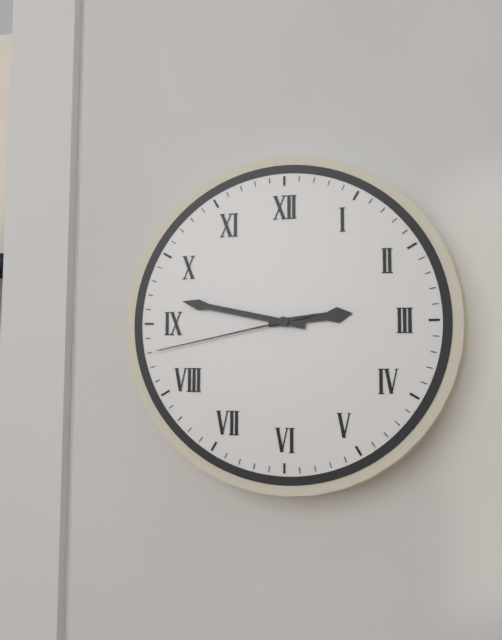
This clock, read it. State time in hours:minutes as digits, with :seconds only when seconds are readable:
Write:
2:47:43
